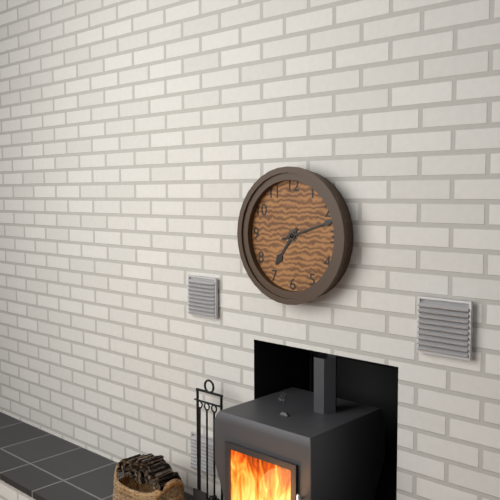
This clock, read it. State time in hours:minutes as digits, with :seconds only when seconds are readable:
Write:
7:12
